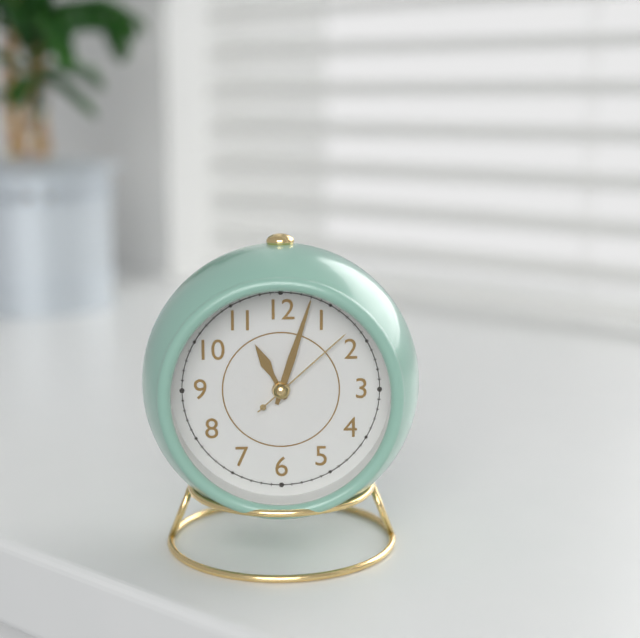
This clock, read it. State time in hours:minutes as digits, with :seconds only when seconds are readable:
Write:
11:03:08
